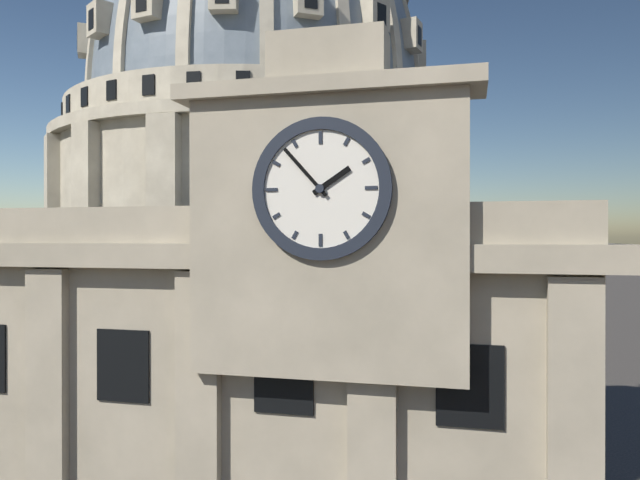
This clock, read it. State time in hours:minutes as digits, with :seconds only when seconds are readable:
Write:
1:53
